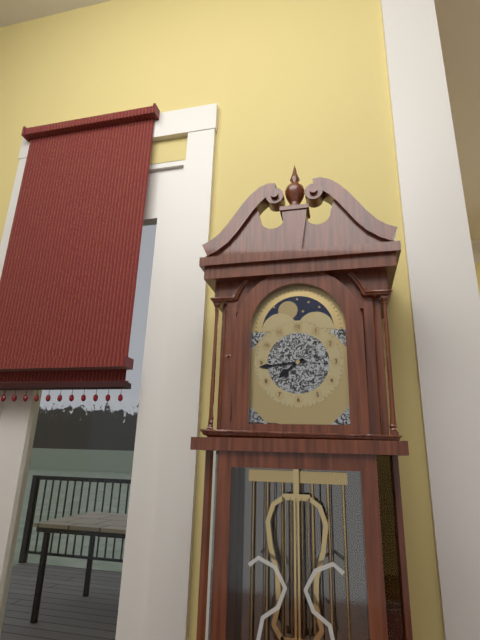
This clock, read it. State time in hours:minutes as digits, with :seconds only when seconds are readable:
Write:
7:44
